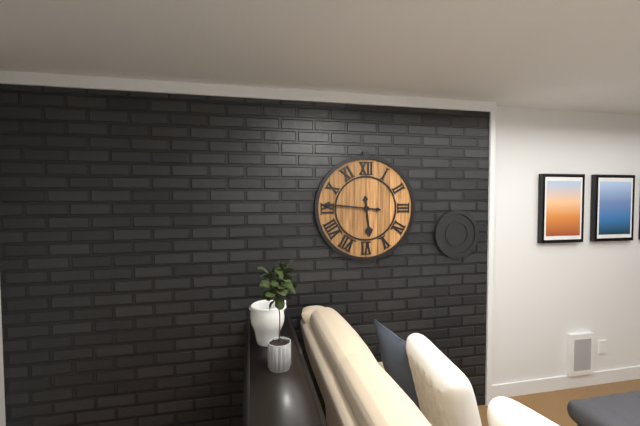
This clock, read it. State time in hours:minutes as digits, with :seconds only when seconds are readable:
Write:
5:46
